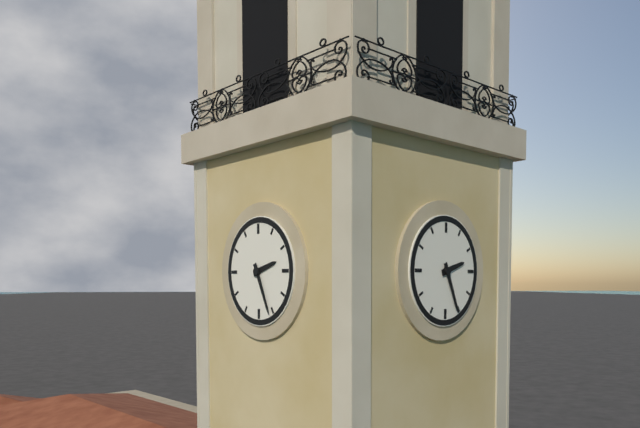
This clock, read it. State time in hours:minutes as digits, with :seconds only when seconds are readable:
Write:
2:26
